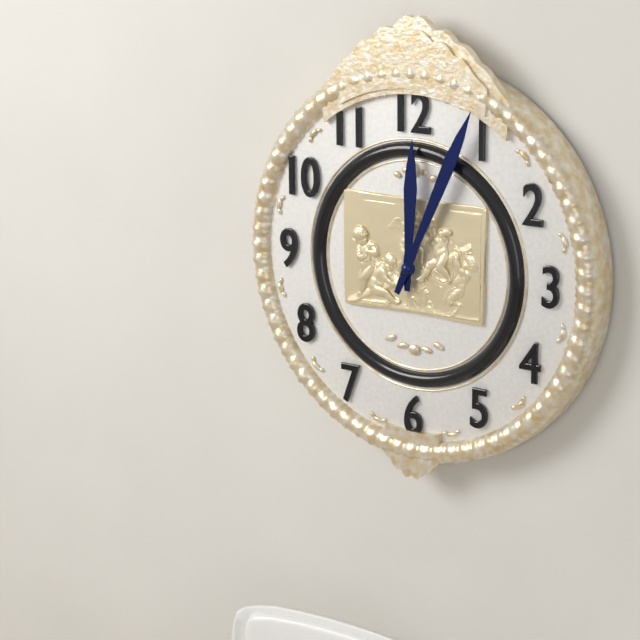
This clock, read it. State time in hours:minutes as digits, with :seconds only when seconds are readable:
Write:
12:04
